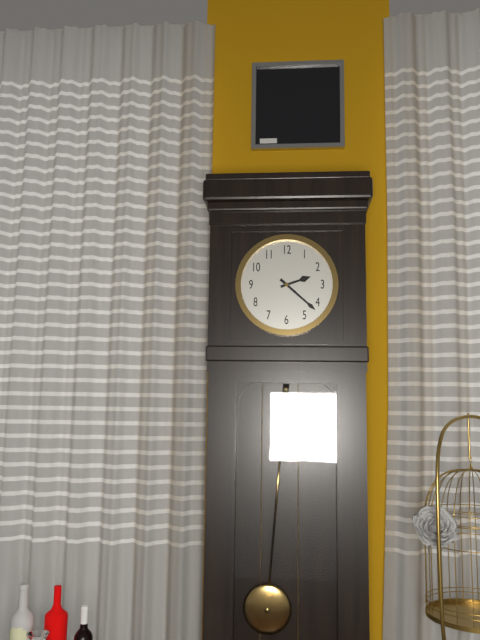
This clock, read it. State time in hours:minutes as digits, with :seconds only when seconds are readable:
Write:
2:22
